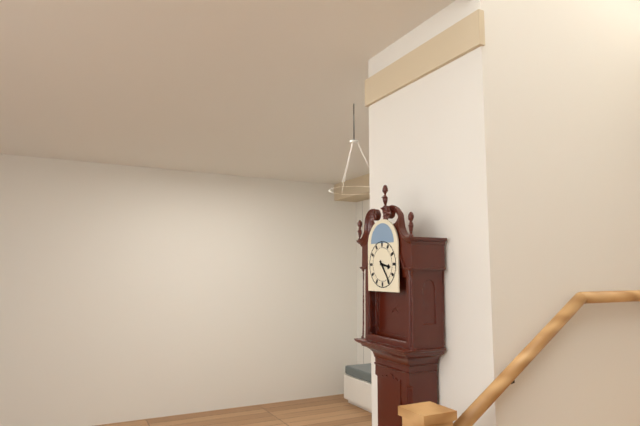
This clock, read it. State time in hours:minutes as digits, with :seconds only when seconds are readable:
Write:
3:24
